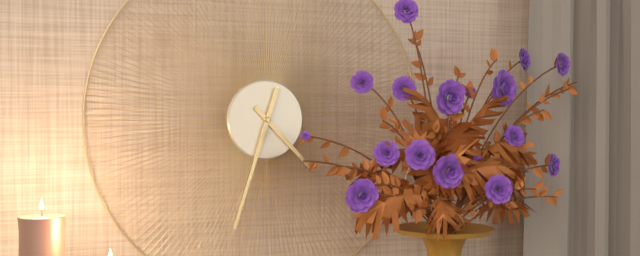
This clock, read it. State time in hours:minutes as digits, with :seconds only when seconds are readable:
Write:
4:33
